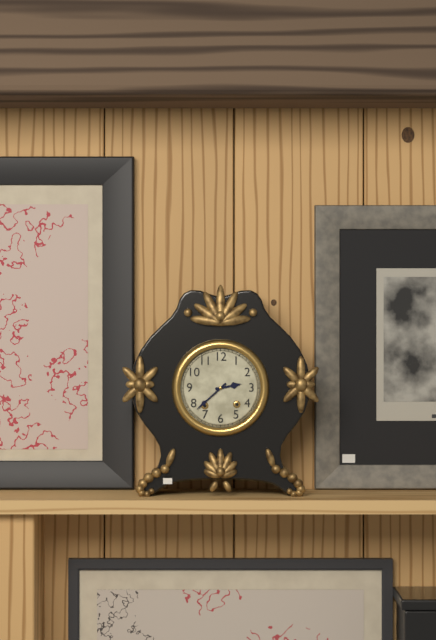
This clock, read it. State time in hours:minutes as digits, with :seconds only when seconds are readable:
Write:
2:38
